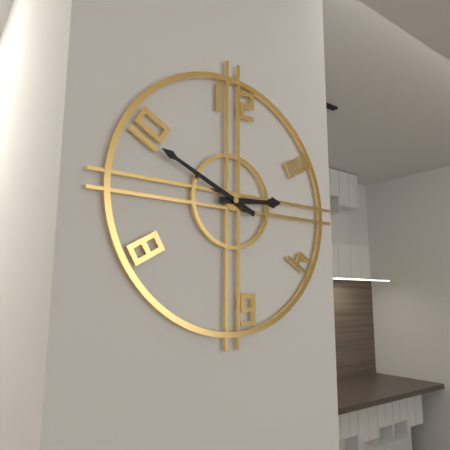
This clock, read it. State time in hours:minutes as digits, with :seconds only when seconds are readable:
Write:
2:49
